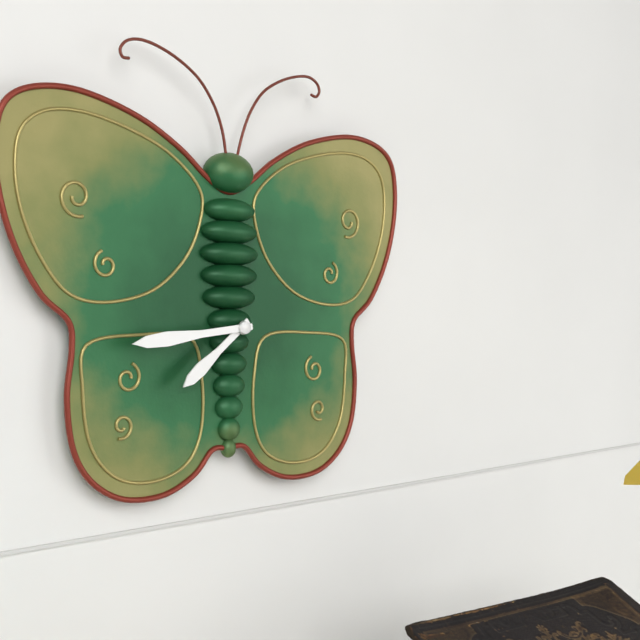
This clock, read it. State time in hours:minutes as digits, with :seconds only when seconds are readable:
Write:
7:44
